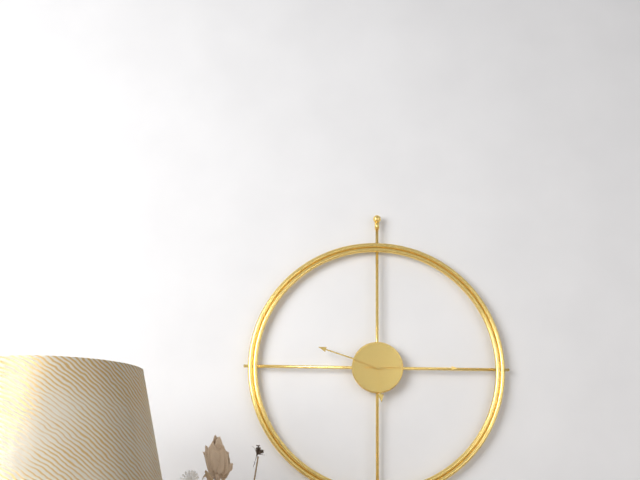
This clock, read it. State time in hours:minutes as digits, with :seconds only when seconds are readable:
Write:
5:48:15
